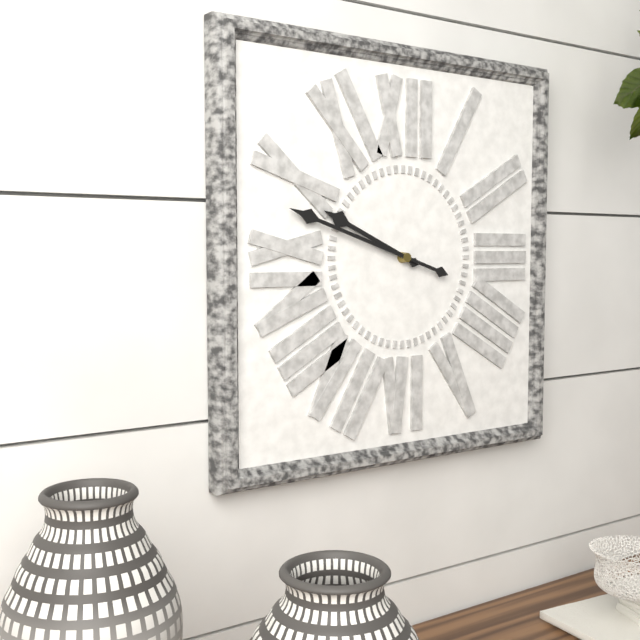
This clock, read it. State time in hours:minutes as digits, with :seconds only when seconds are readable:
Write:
9:48
